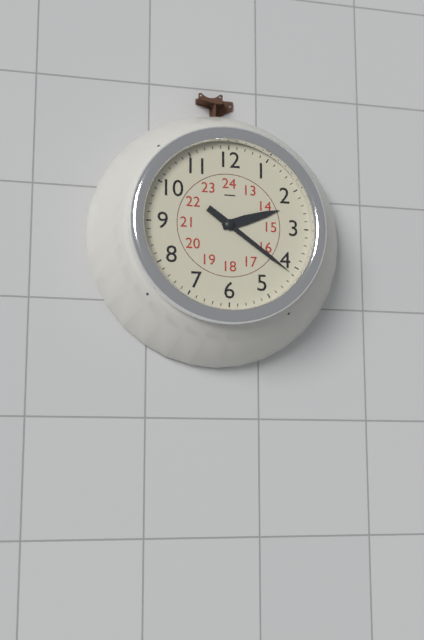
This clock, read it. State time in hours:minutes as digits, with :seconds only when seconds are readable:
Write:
2:21
